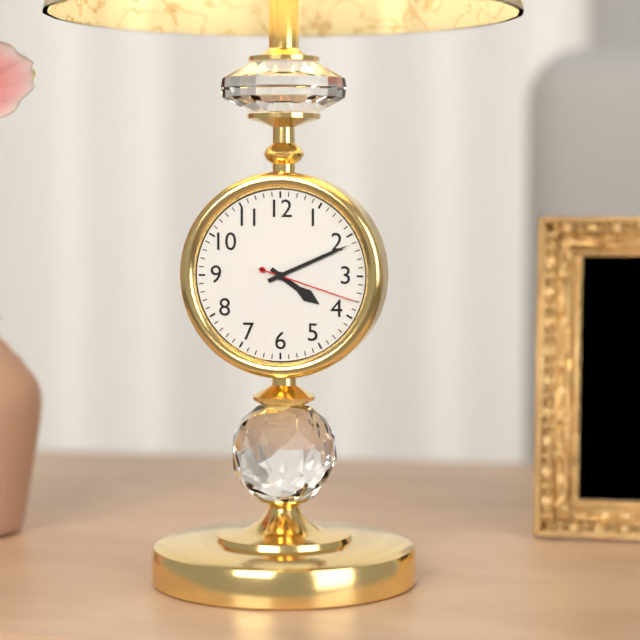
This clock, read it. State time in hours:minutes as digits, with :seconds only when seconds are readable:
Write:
4:11:18
